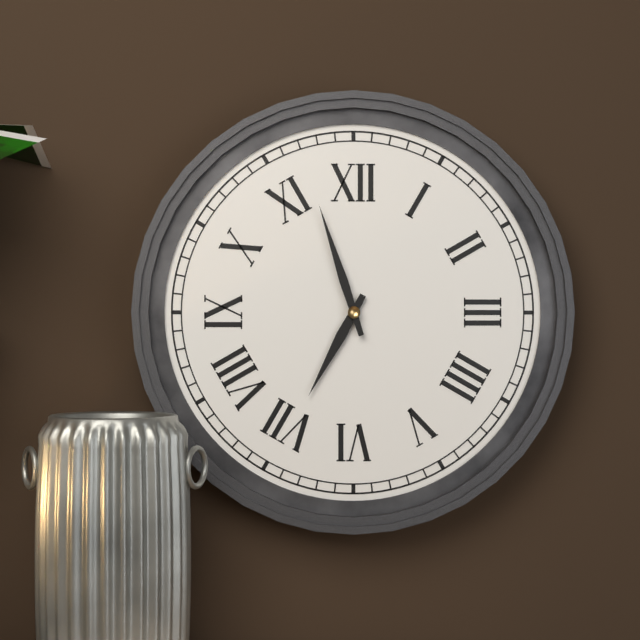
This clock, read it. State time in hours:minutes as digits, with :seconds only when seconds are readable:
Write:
6:57
